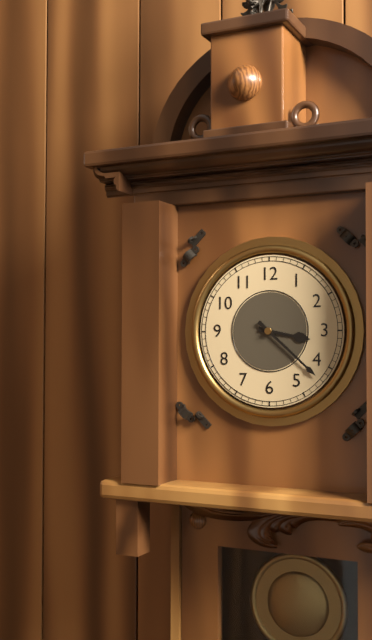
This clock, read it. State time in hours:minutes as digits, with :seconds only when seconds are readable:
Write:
3:22
